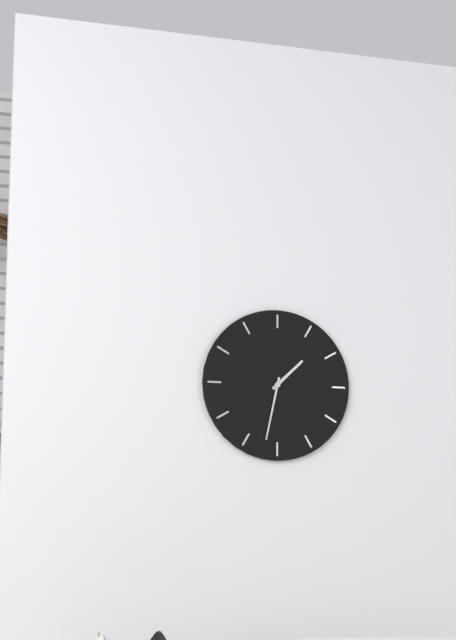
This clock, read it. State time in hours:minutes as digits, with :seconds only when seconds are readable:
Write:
1:32
